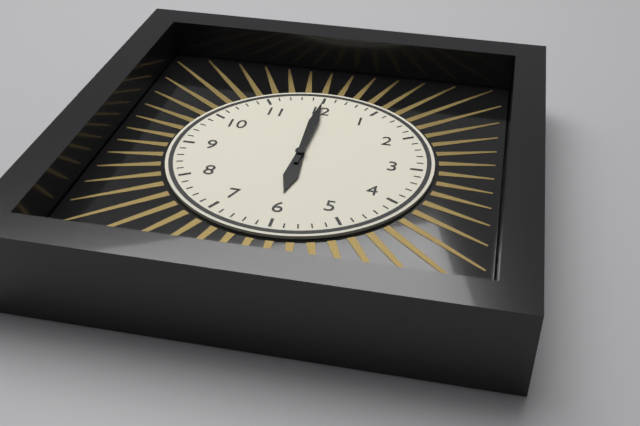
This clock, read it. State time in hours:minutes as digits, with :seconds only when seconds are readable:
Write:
6:00
